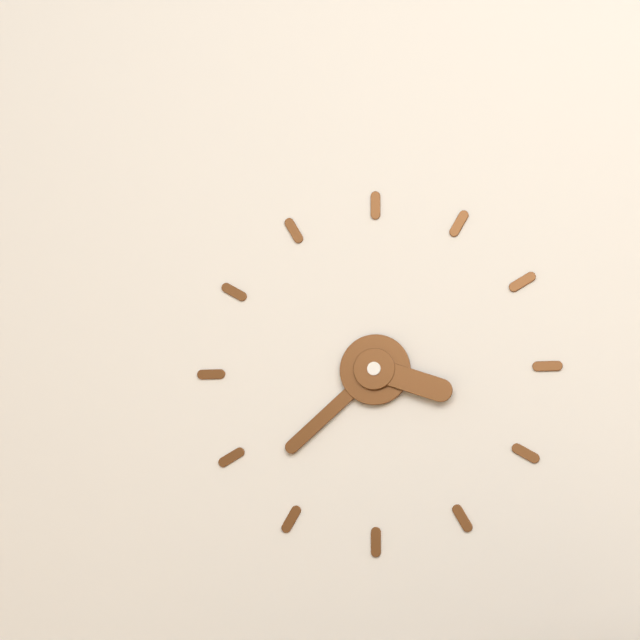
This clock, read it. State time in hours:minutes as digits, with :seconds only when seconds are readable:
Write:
3:38
